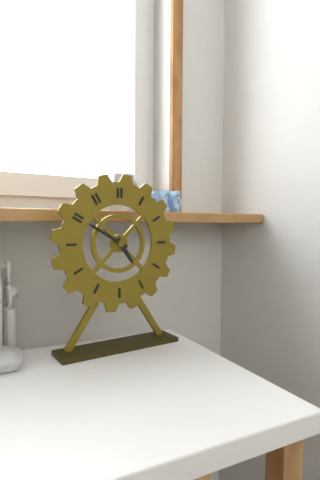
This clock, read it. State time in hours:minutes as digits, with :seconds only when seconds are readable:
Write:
4:50
